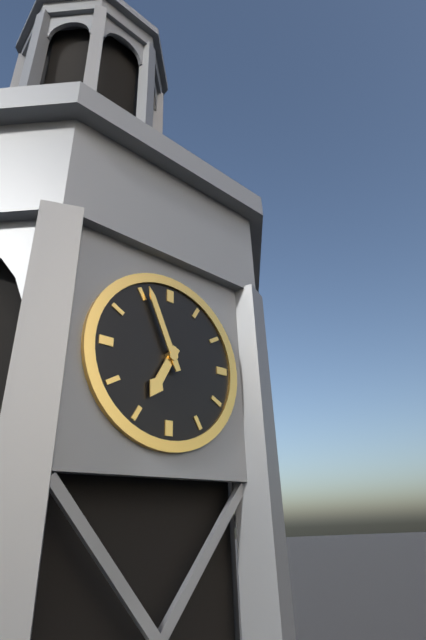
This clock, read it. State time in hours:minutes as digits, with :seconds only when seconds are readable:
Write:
6:56
